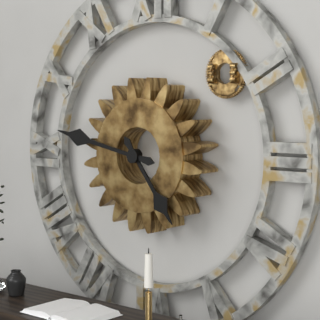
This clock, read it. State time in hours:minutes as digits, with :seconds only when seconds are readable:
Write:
4:47
